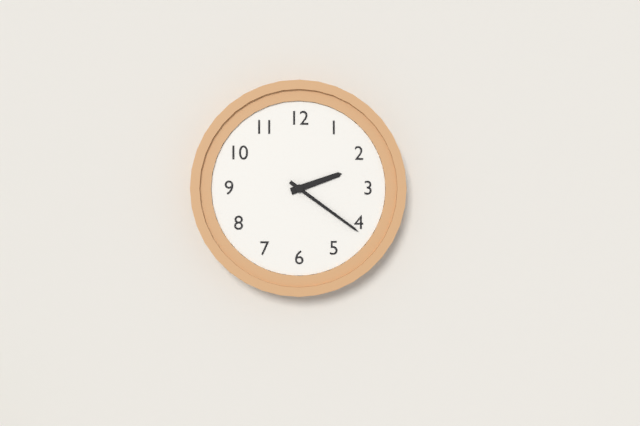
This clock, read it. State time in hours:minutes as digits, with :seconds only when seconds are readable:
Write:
2:21
